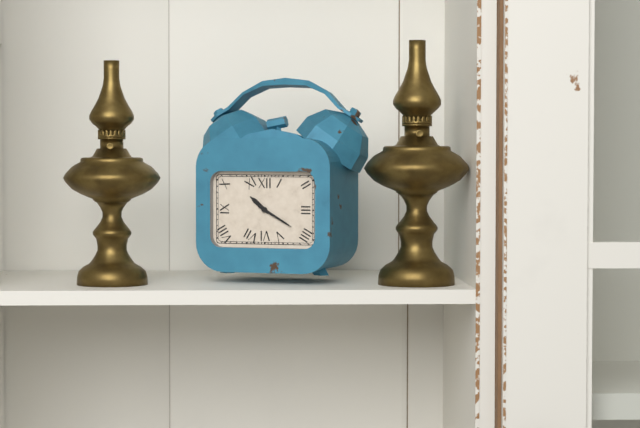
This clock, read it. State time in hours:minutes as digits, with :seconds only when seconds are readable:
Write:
10:20
